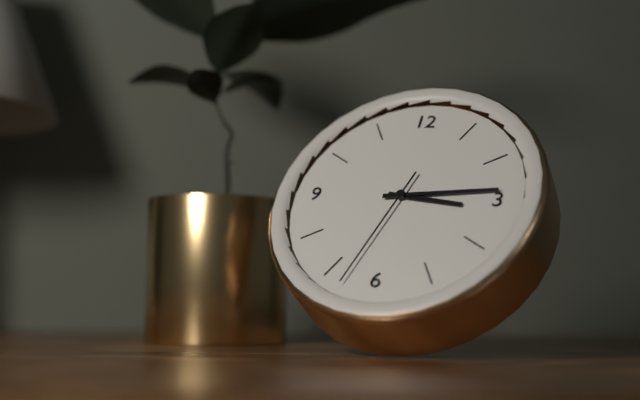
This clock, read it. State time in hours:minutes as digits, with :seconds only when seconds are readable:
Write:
3:14:33
